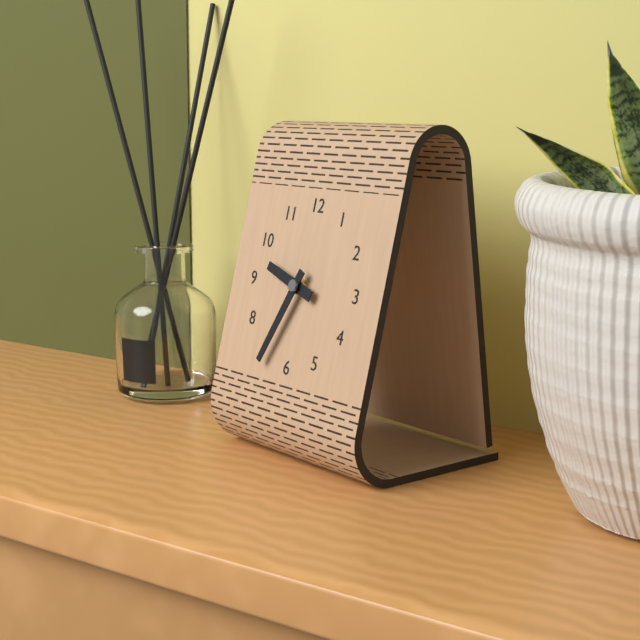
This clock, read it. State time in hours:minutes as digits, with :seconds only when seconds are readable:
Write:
9:34
